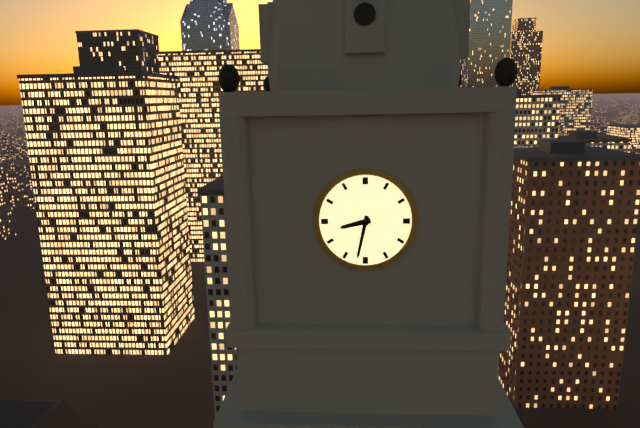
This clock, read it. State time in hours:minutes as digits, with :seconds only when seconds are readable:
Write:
8:32
